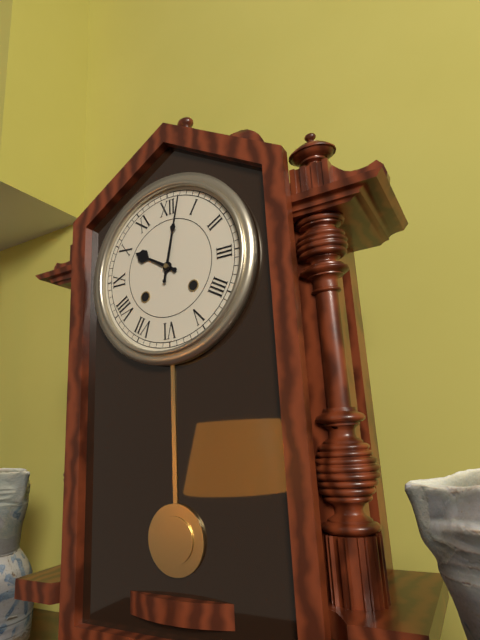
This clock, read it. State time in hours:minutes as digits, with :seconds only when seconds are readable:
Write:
10:02
